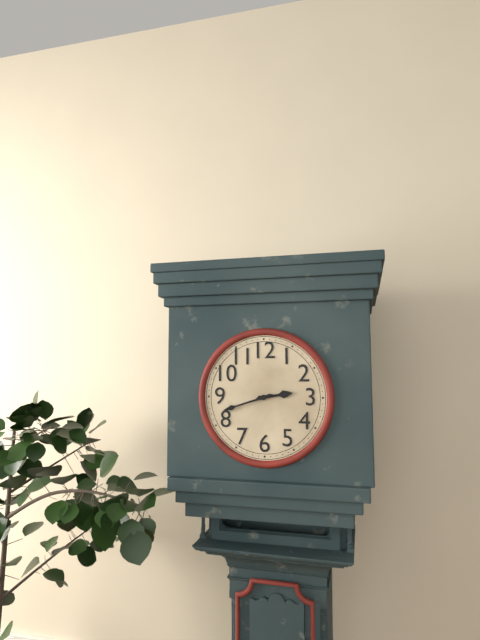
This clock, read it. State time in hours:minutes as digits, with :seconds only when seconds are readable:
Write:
2:42
